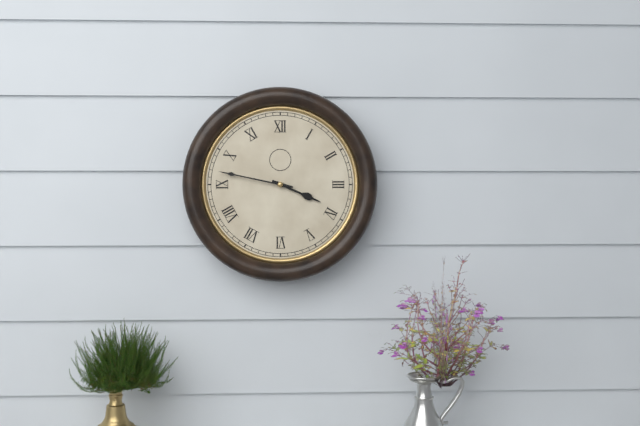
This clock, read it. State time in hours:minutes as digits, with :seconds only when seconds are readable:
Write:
3:47
